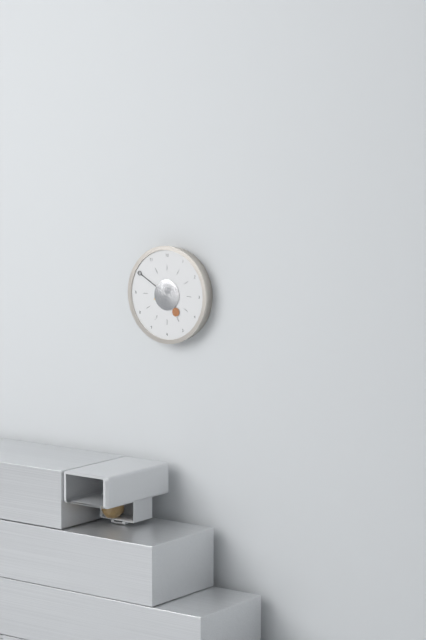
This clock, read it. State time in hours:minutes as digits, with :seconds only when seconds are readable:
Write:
4:50
